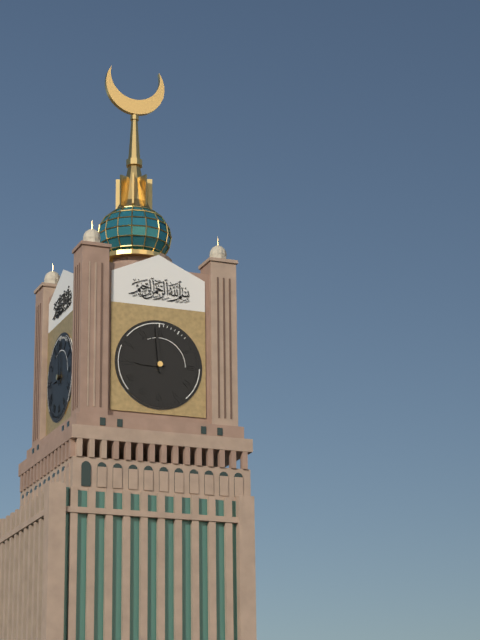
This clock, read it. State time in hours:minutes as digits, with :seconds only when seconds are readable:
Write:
8:59
